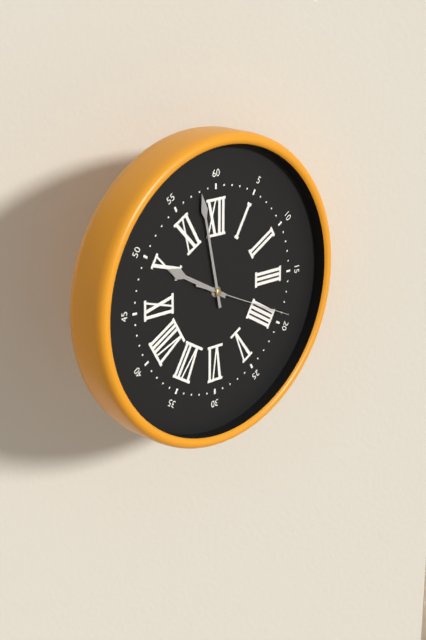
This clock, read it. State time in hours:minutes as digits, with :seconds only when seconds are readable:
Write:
9:58:19
